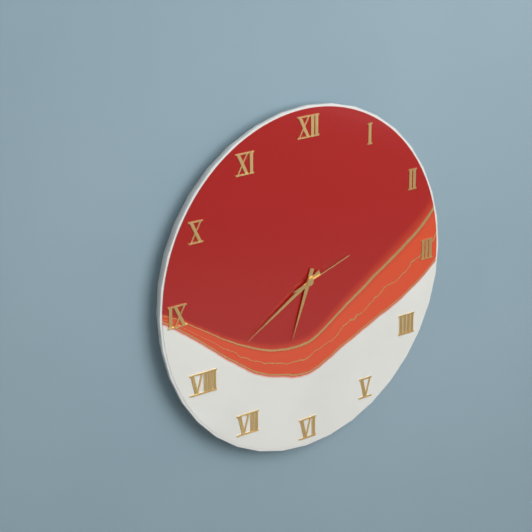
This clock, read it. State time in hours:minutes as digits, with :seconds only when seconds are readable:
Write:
6:40:12
